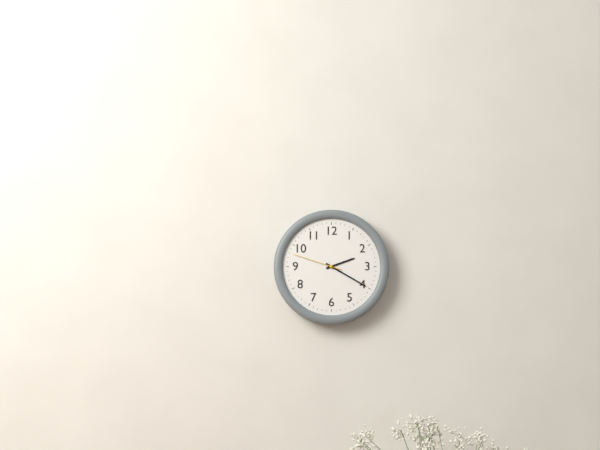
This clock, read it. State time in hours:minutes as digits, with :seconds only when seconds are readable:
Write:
2:20:48
